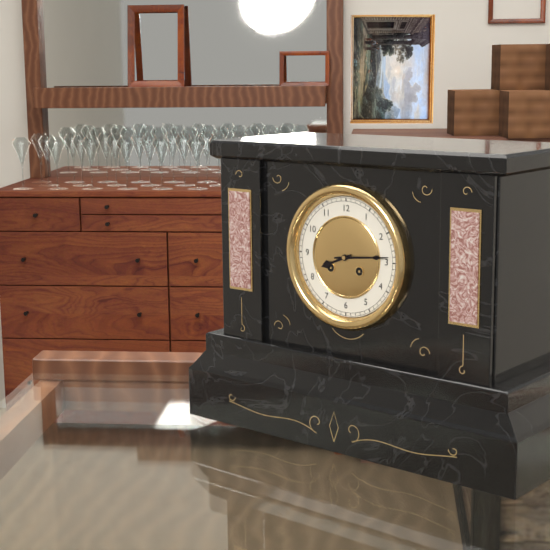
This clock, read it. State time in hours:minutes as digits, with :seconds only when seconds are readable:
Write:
8:14
